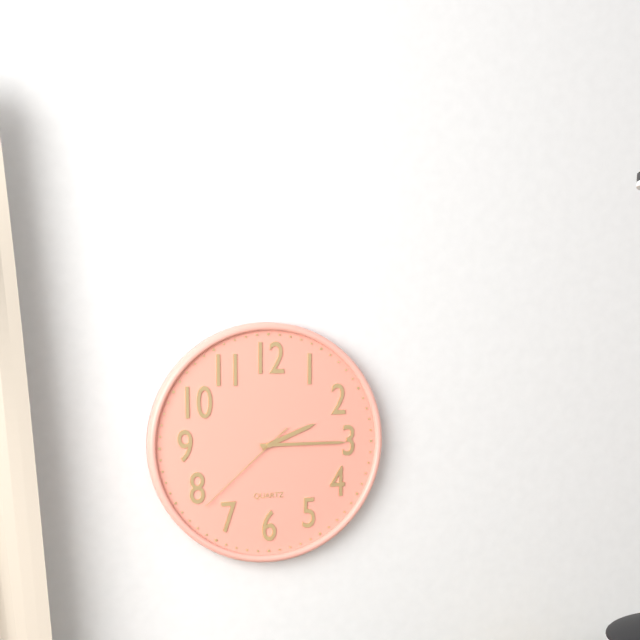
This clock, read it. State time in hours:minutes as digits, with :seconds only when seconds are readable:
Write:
2:15:38
